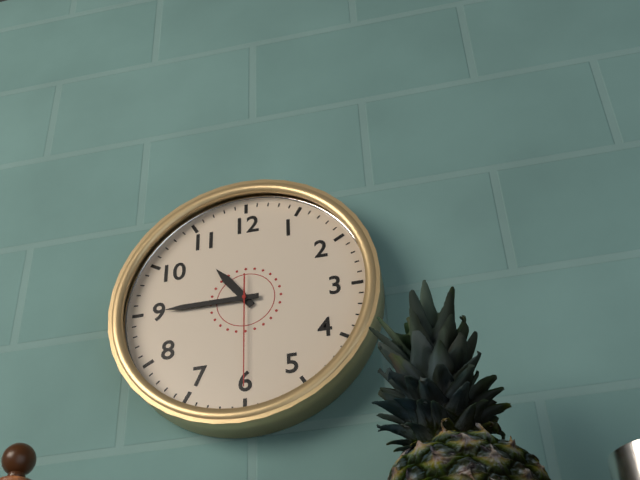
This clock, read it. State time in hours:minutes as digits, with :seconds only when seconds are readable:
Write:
10:45:30
